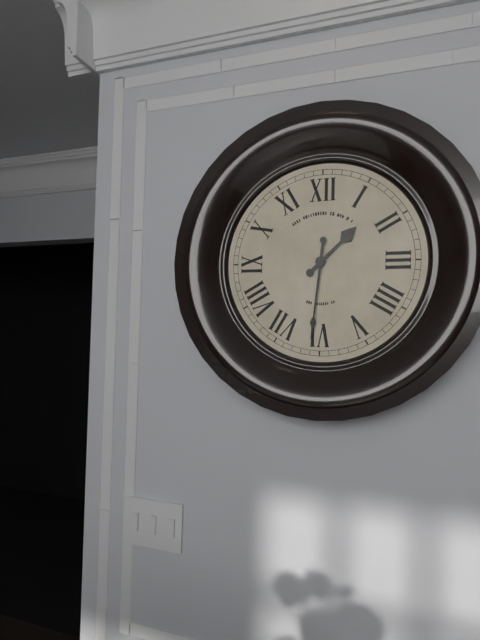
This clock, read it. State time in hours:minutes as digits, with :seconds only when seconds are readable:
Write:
1:31
